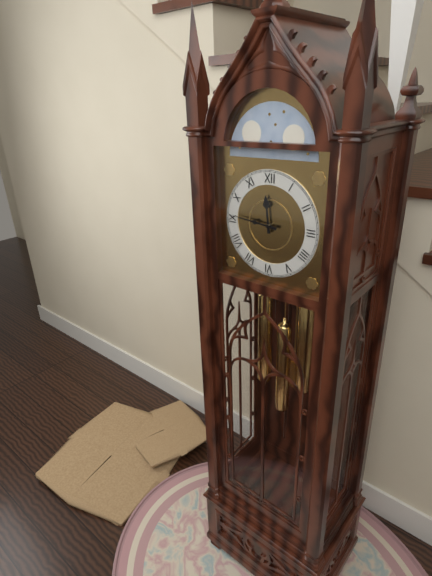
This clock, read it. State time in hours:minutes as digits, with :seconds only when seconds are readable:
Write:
11:46
